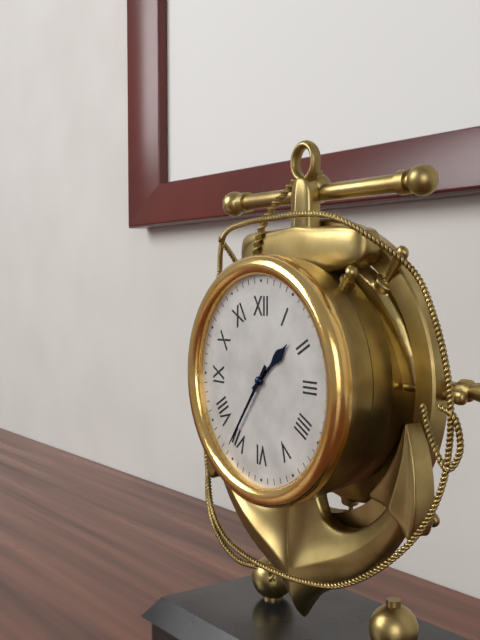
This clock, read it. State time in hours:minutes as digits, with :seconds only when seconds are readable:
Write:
1:36
